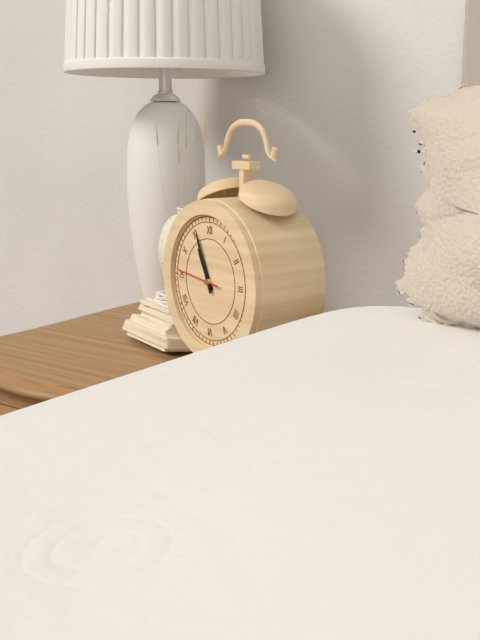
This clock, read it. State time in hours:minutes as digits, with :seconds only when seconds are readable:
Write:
10:56
